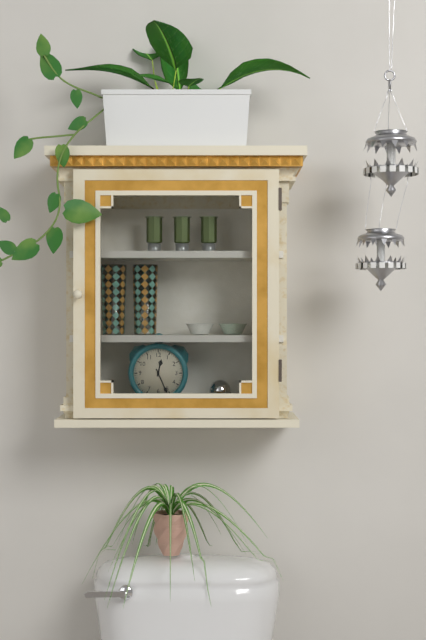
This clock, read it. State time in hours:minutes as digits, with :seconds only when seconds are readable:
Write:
12:26
